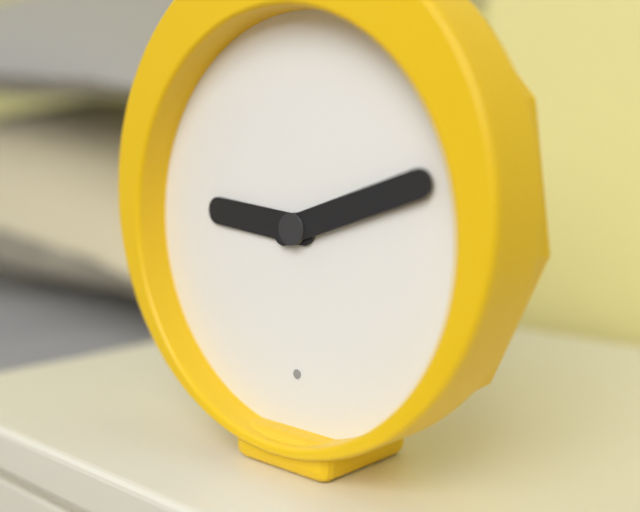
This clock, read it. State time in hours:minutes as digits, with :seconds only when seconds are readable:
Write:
9:12
